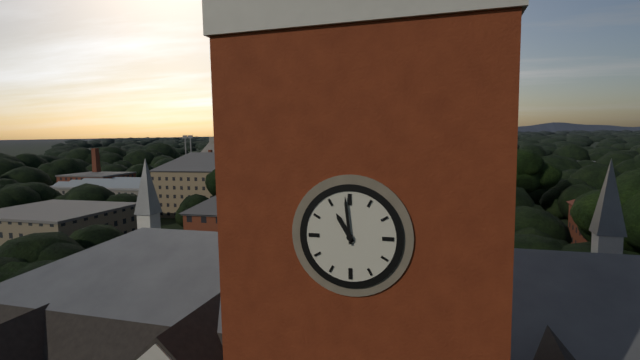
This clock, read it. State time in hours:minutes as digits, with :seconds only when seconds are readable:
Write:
10:59
